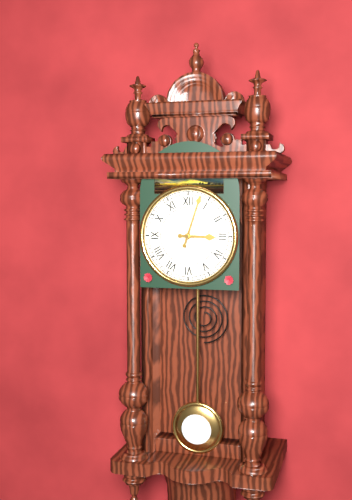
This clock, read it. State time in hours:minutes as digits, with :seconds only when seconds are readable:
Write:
3:03
